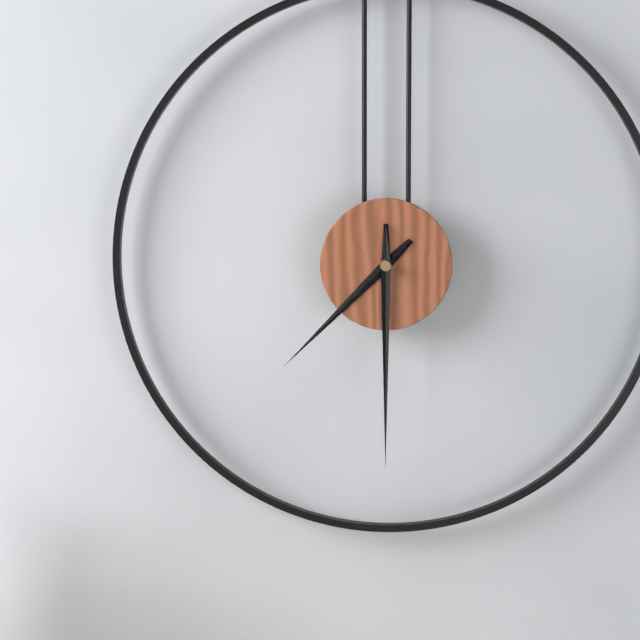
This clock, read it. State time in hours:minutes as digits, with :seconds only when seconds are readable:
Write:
7:30
